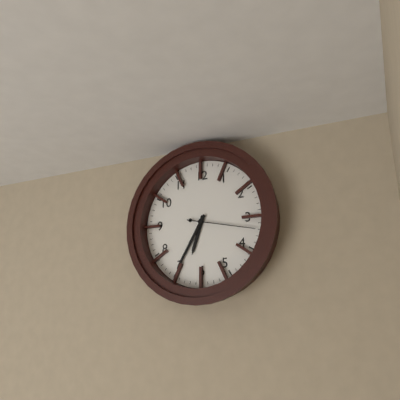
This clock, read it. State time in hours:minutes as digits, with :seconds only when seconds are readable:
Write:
6:35:17
